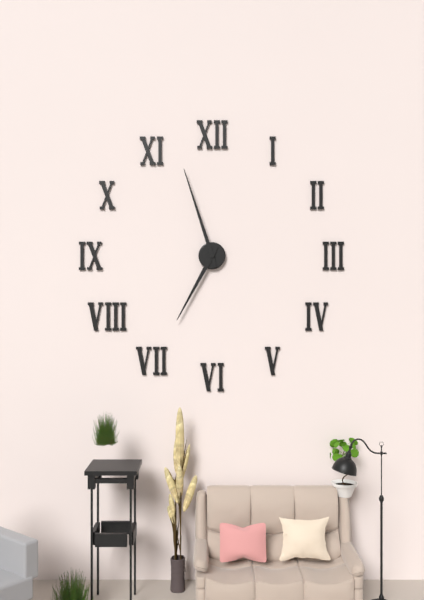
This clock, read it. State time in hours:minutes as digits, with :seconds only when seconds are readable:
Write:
6:57
